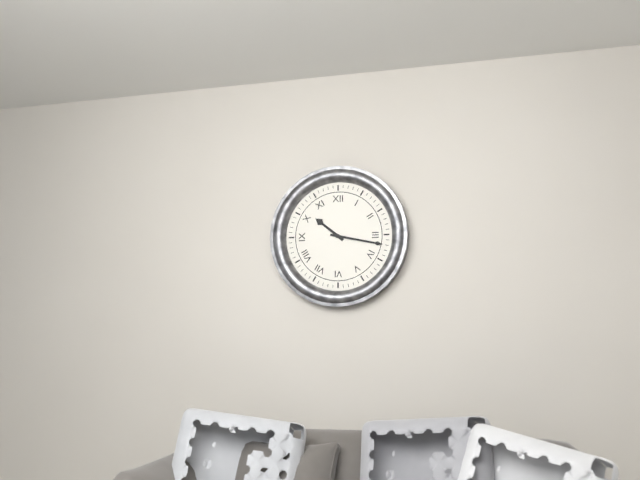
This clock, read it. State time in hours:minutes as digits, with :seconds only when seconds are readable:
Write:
10:17
